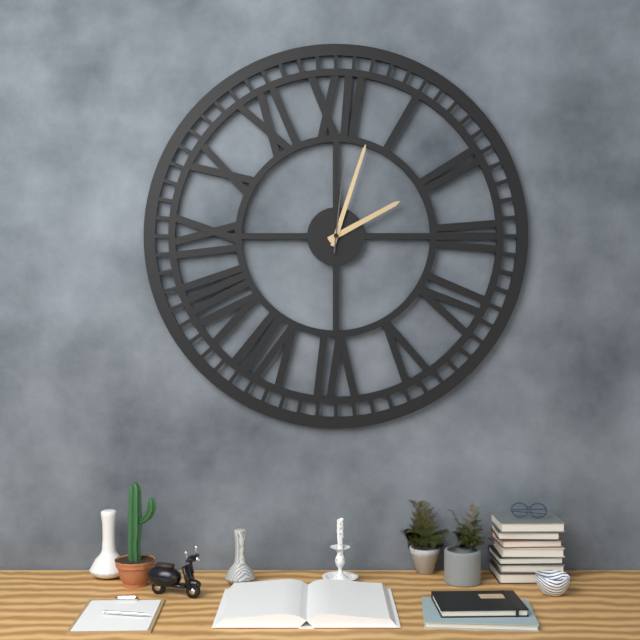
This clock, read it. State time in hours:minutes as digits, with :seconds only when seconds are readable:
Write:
2:03:01
